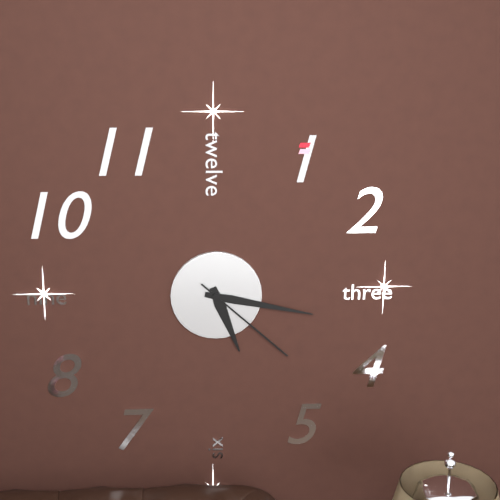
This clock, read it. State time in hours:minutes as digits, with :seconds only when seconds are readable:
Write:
5:17:22
